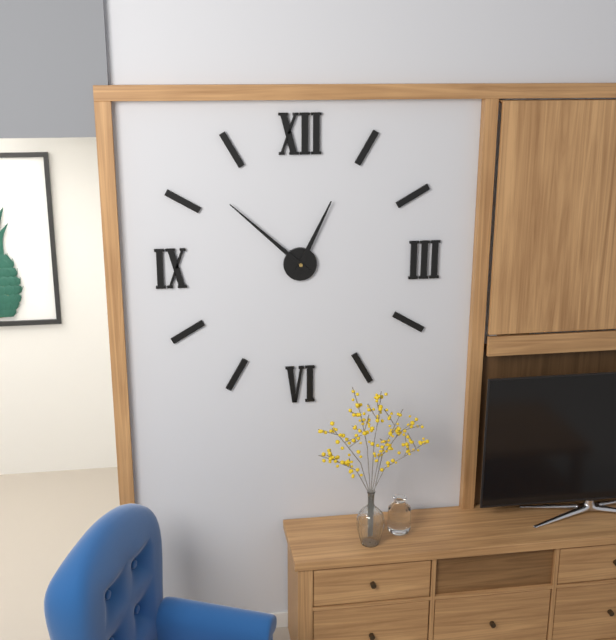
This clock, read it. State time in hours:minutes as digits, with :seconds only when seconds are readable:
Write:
12:52
